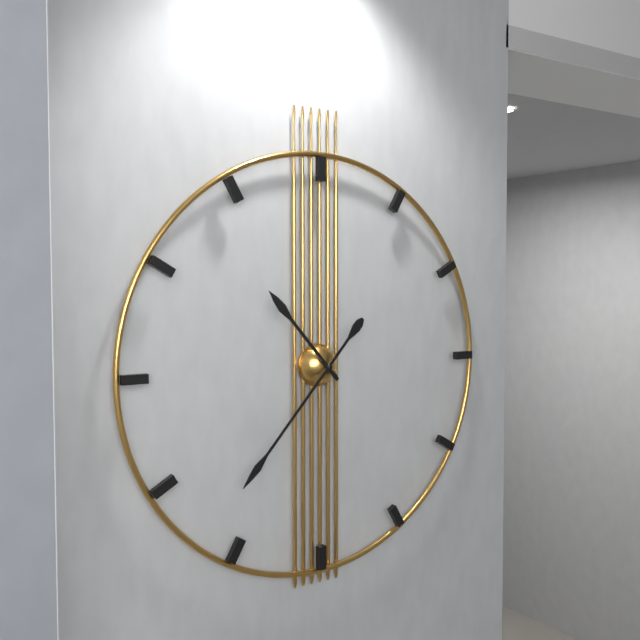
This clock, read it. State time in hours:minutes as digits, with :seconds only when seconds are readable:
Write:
10:37
